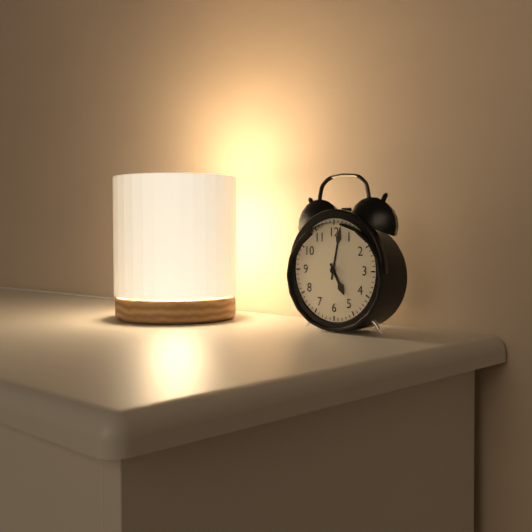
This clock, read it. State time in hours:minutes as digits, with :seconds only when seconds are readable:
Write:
5:02
